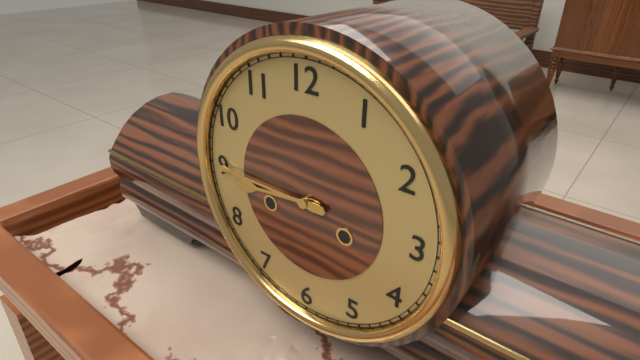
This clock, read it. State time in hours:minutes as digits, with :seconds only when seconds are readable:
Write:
8:45
